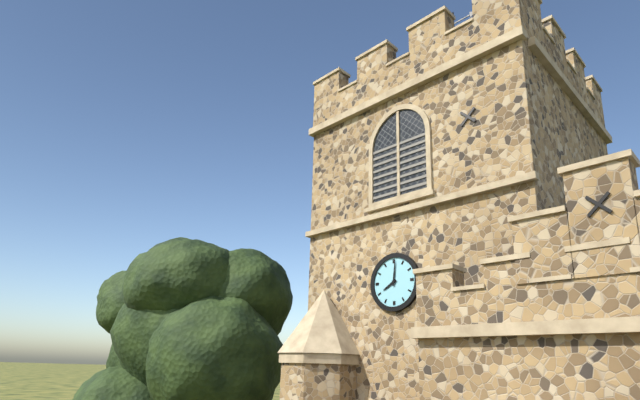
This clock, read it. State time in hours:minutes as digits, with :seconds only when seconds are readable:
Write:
8:01
